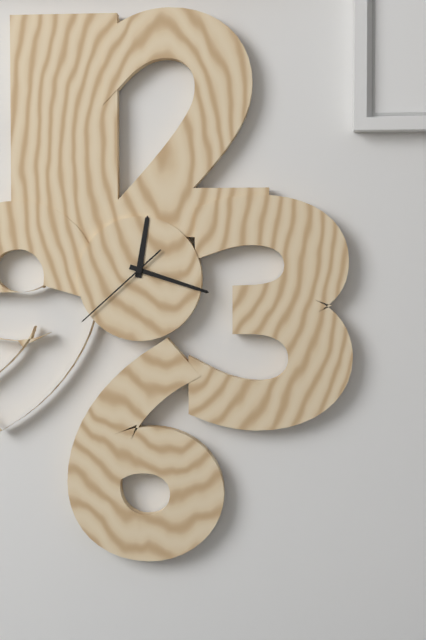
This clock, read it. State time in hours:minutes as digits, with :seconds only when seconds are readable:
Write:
12:18:38
